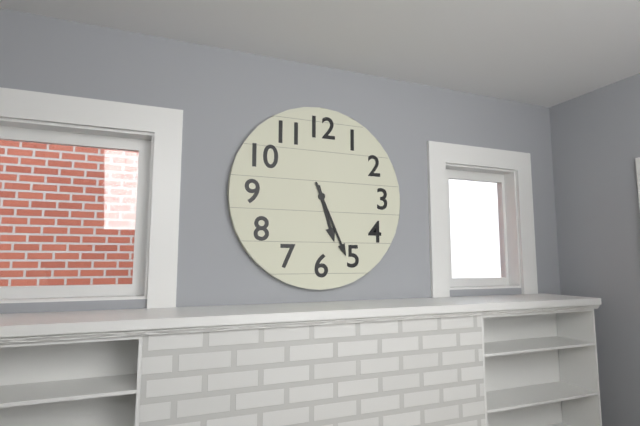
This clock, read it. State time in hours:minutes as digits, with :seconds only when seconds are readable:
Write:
5:26
